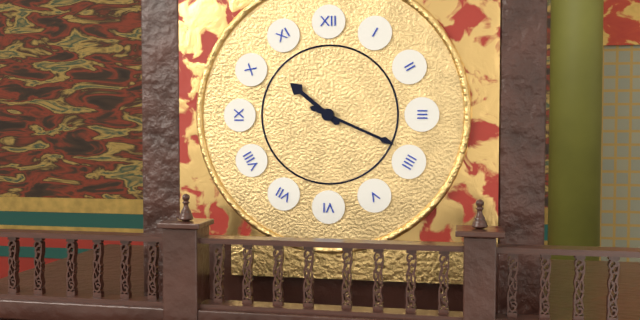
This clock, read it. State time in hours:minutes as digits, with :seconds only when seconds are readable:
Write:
10:19
